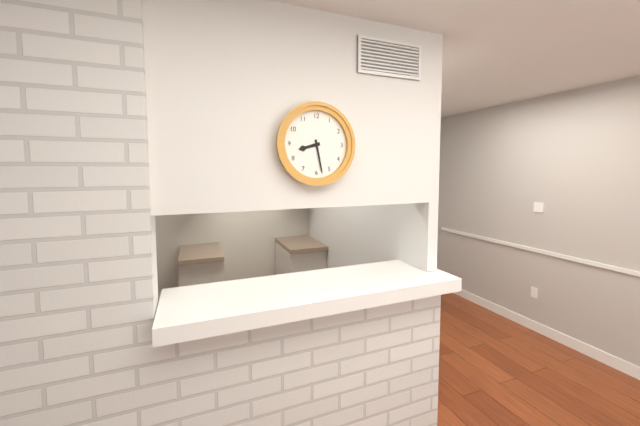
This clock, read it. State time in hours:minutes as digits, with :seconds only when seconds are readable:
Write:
8:28
